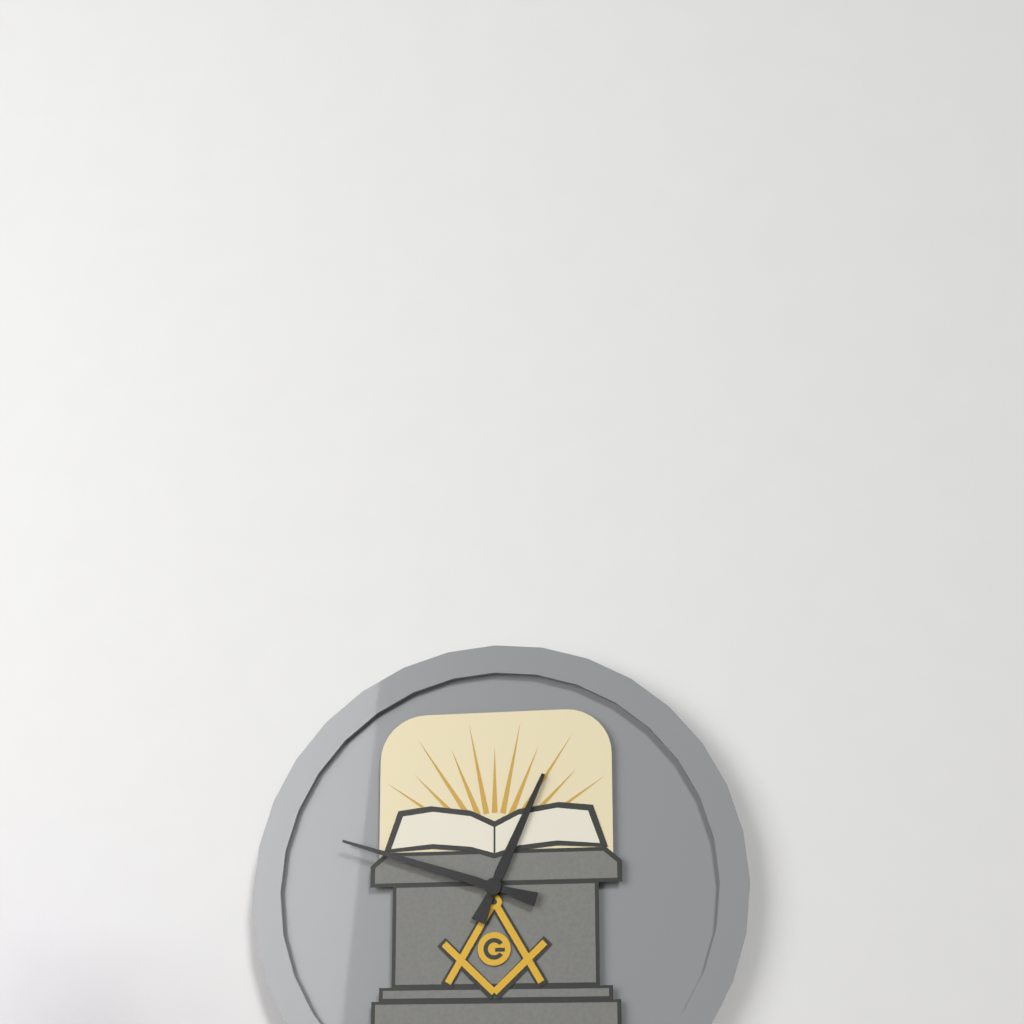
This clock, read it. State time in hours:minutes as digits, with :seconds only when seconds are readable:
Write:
12:48
